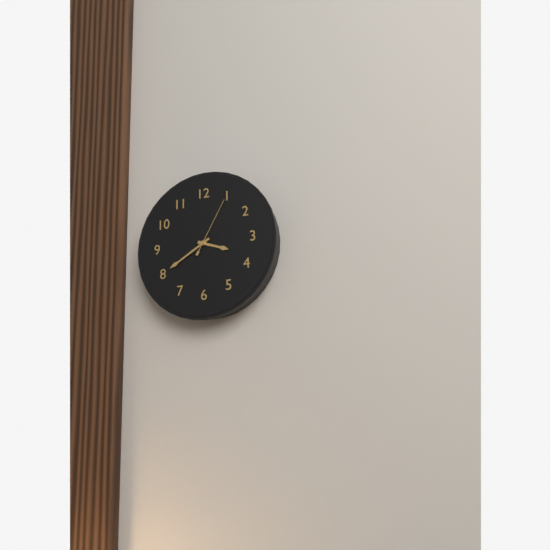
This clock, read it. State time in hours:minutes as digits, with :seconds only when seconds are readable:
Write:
3:40:05
